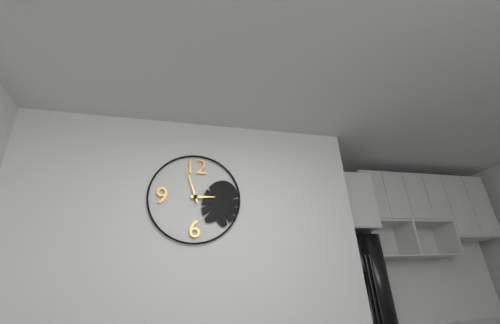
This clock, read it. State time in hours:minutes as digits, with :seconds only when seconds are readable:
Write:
2:57
